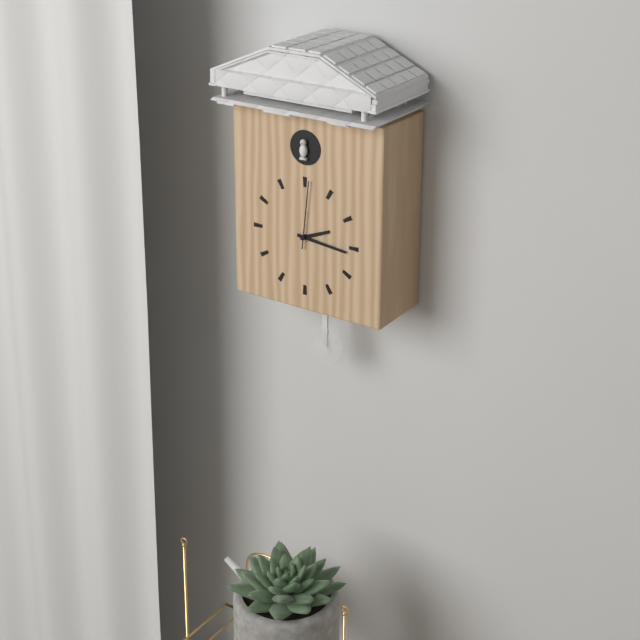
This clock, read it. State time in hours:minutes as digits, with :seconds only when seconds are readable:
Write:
2:16:01
